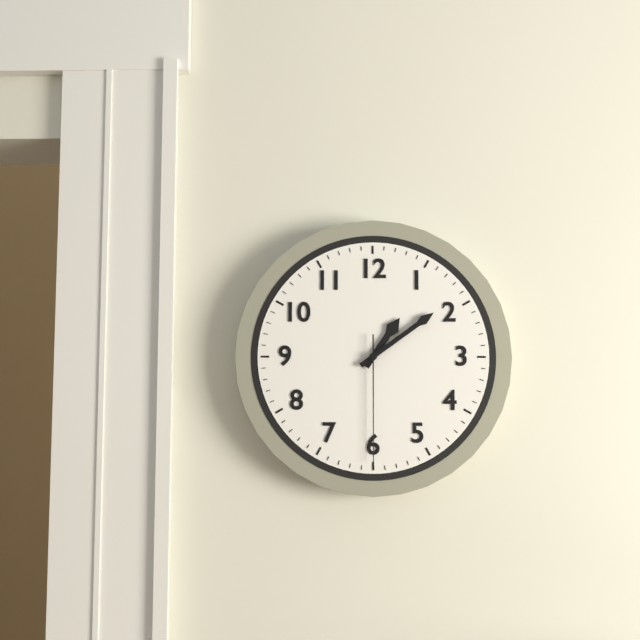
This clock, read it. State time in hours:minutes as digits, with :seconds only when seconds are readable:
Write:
1:09:30
